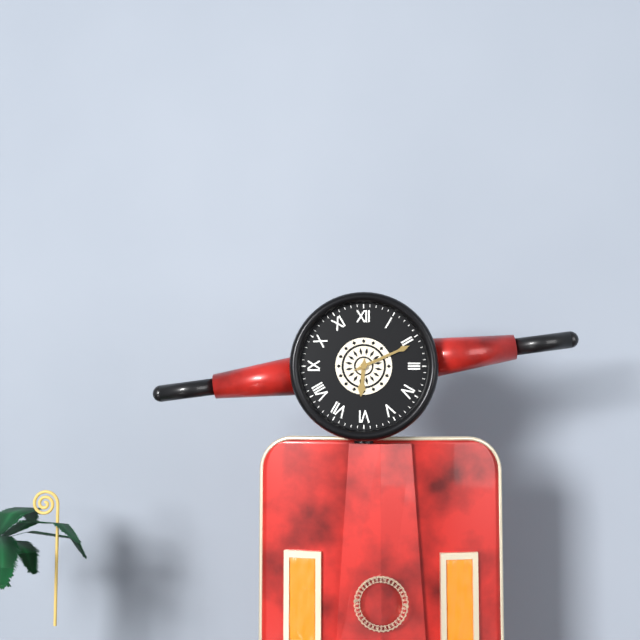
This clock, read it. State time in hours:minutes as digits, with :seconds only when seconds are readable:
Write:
6:11
